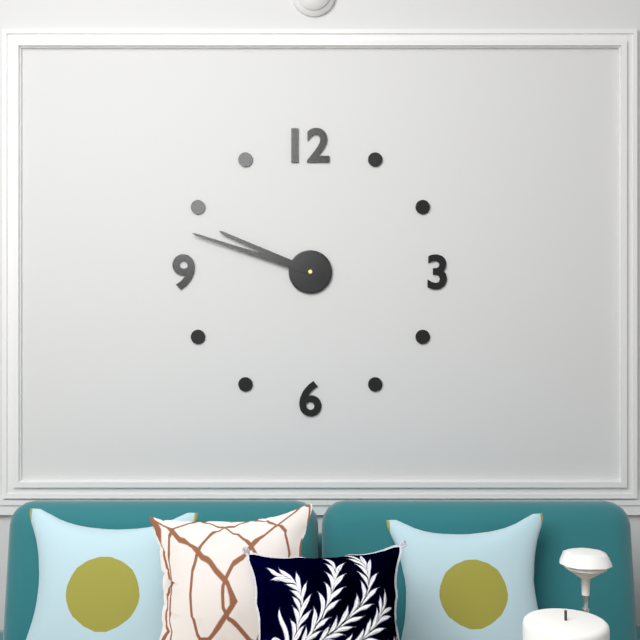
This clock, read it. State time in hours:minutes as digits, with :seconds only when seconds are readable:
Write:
9:48
